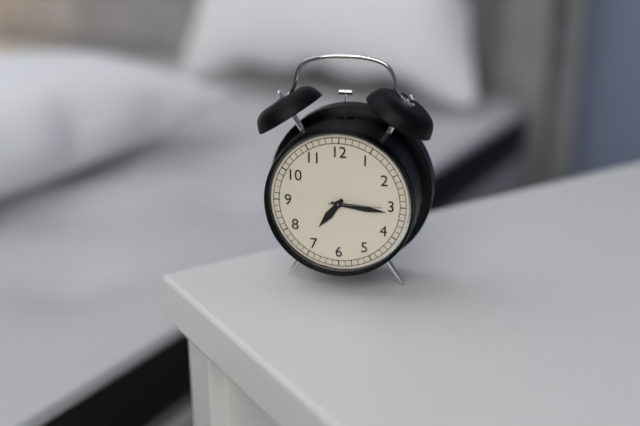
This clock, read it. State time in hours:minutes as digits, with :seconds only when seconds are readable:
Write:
7:16:15
